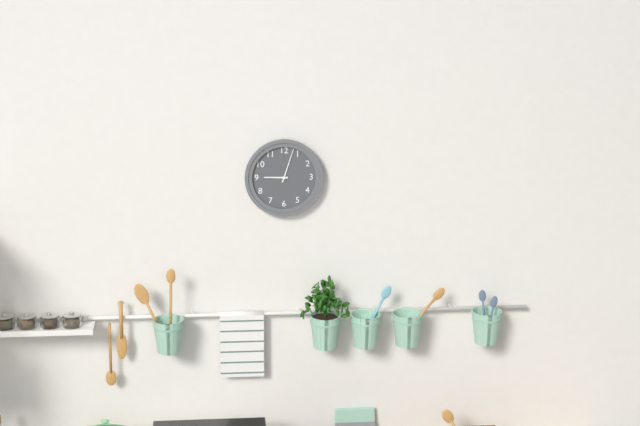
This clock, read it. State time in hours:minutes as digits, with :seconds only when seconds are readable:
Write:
9:03
